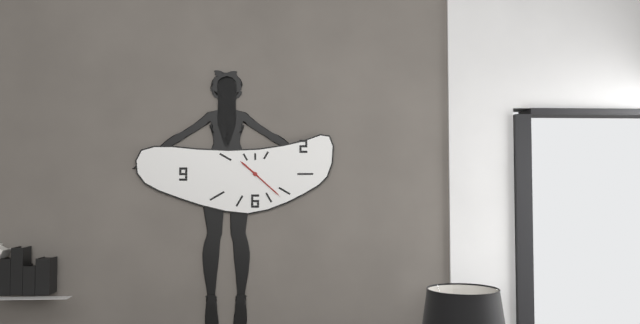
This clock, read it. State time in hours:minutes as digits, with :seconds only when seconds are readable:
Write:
10:22
